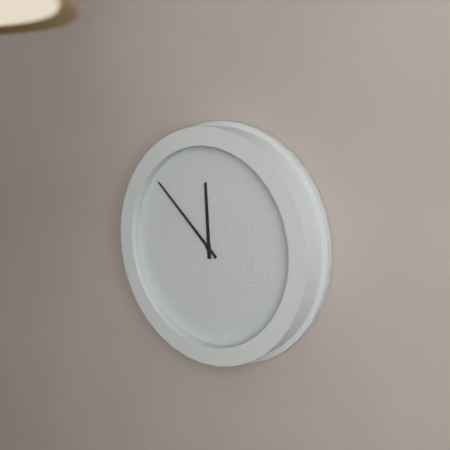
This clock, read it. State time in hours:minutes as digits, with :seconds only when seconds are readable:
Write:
11:52
